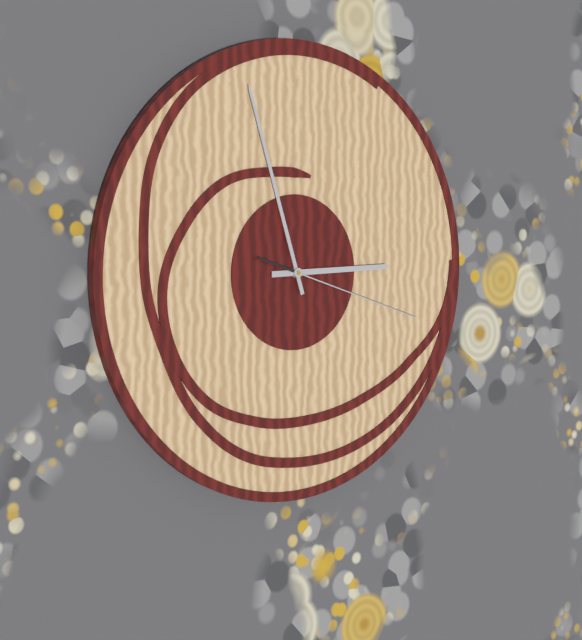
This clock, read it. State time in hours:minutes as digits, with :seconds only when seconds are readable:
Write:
2:57:18
